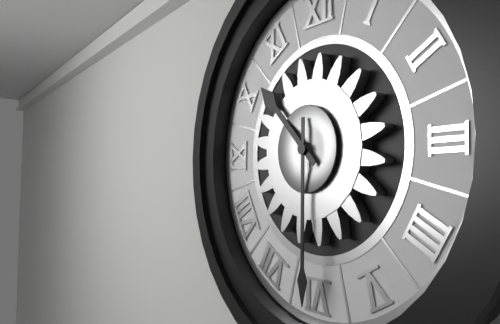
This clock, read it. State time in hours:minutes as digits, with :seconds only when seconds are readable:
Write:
10:30
